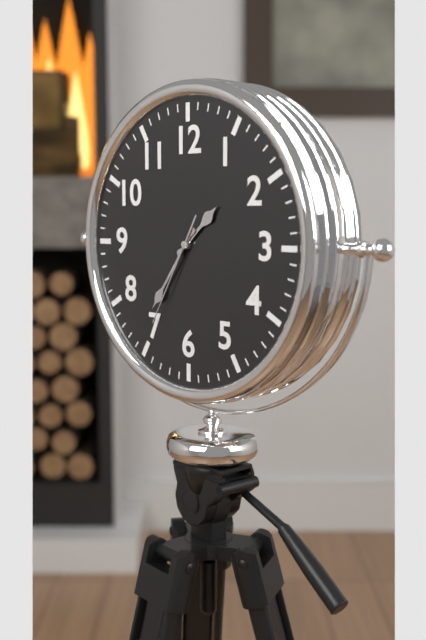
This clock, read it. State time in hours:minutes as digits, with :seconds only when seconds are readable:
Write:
1:36:35
